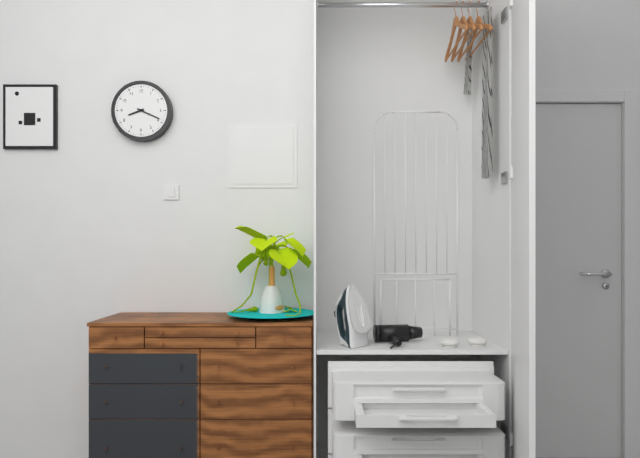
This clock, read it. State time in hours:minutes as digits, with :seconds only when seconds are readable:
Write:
8:19
